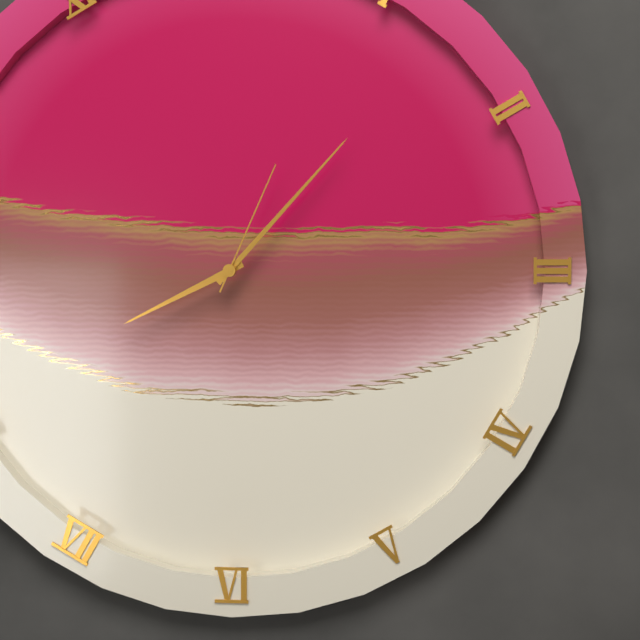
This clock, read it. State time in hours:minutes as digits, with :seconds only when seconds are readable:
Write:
8:07:04
